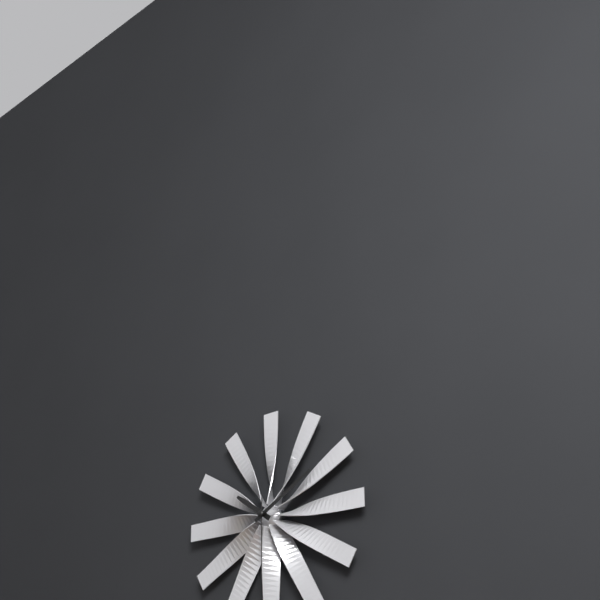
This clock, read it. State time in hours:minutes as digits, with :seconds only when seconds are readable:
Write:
10:10:30
